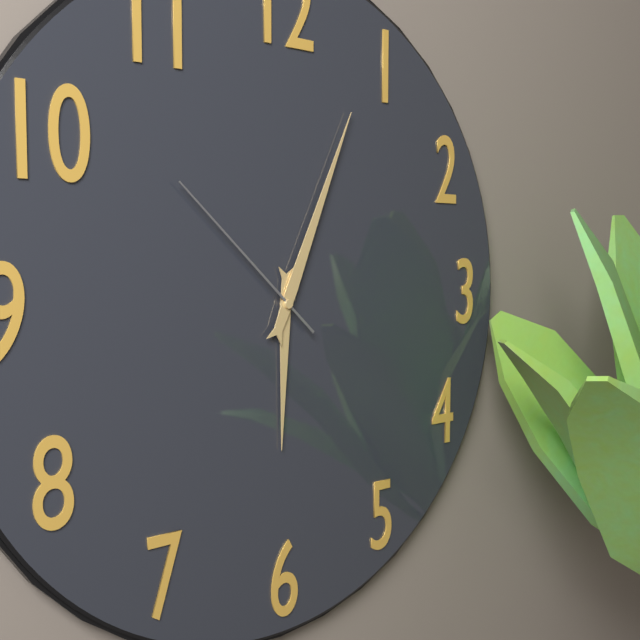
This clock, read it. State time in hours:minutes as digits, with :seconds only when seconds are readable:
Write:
6:04:52
